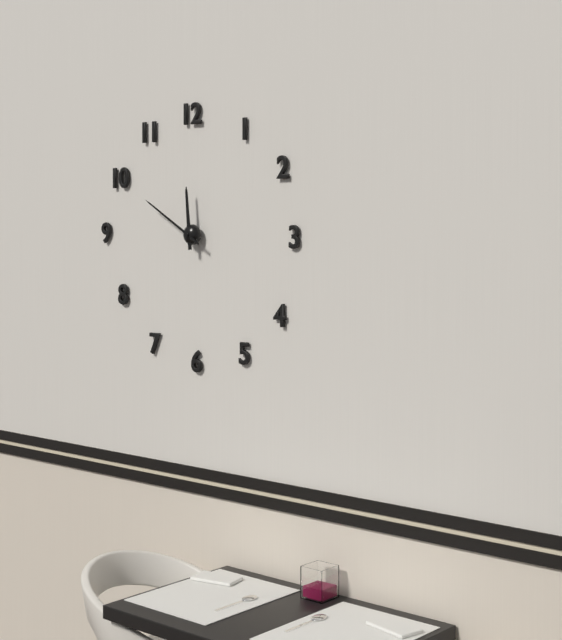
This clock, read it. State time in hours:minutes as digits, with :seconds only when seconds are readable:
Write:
11:50
